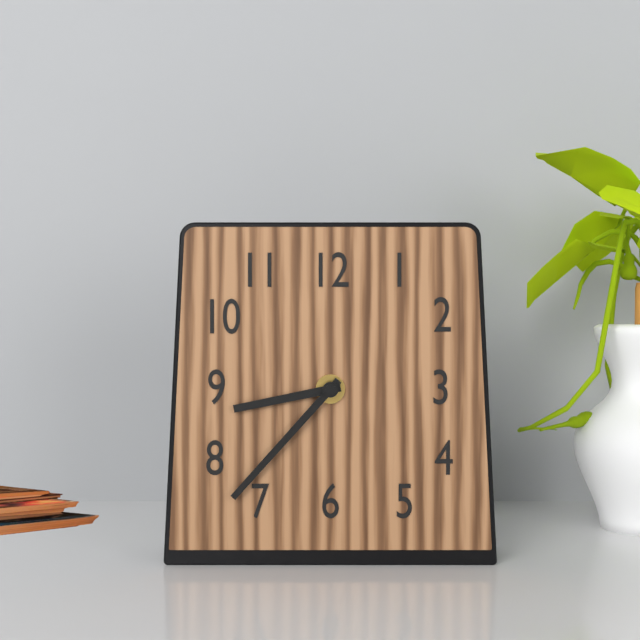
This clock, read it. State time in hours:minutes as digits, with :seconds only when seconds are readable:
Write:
8:37
